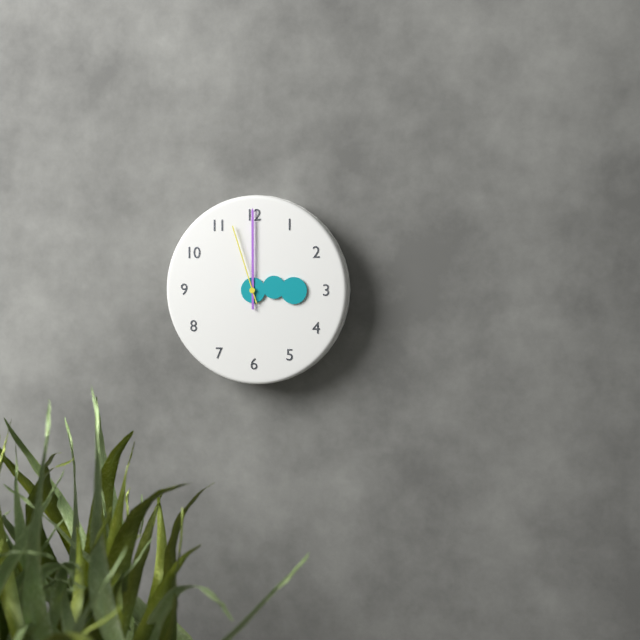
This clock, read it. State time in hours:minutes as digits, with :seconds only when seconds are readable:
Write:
3:00:57
